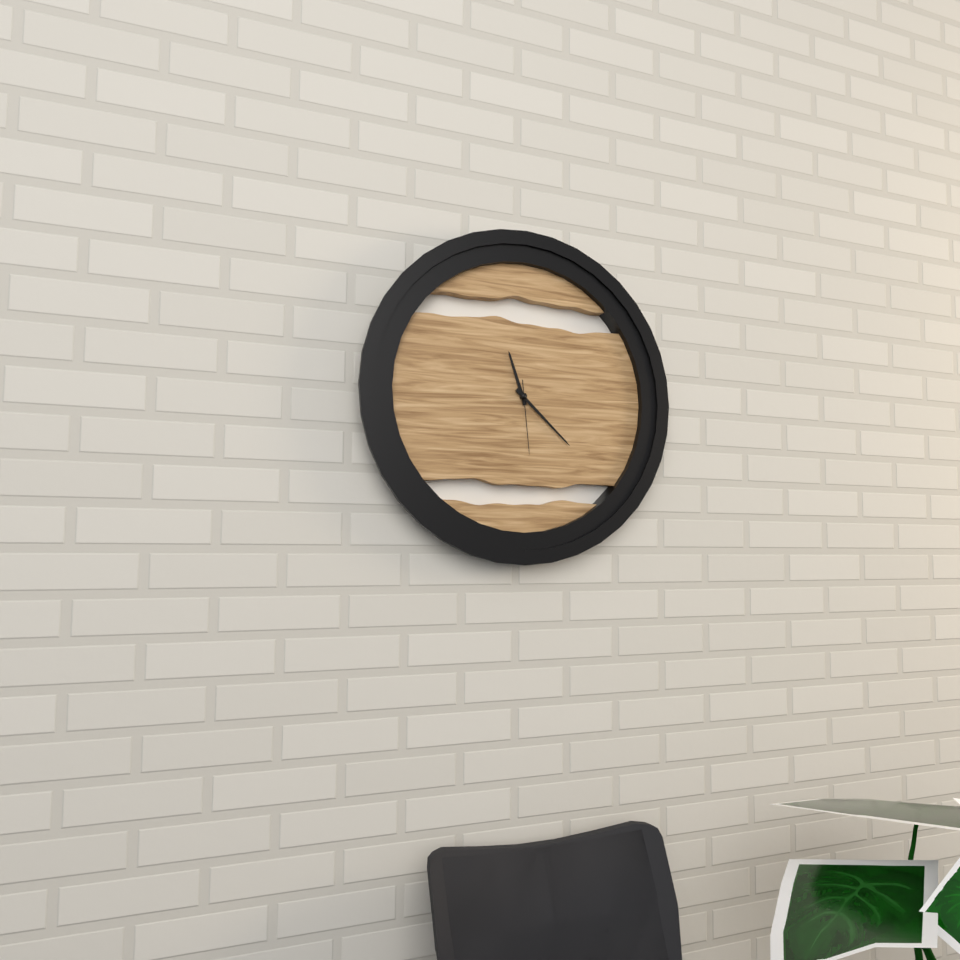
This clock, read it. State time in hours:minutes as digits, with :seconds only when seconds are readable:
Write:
11:22:29
